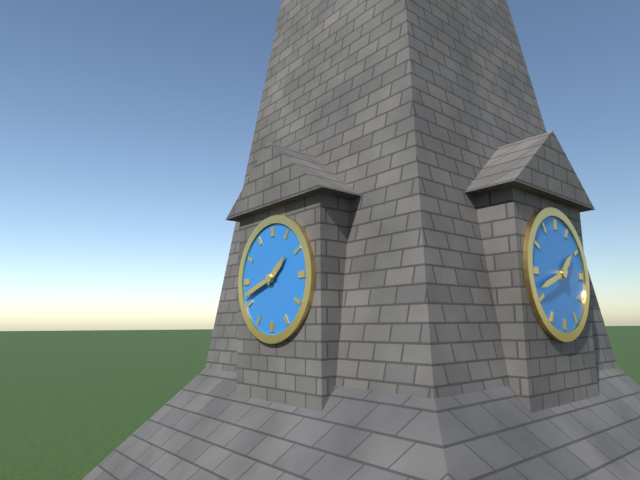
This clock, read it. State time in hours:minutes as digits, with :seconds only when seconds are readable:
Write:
1:42
